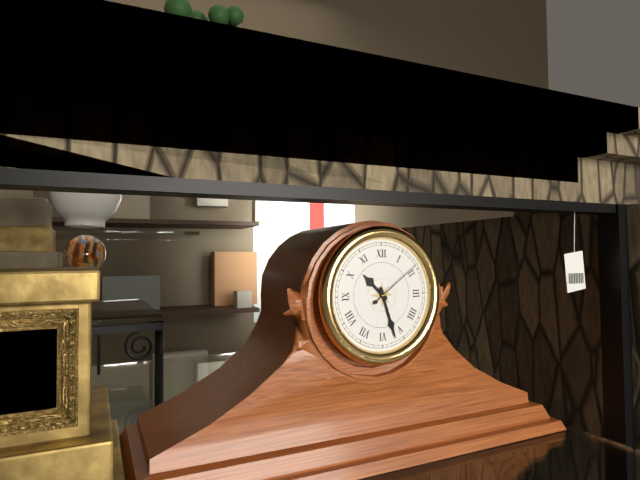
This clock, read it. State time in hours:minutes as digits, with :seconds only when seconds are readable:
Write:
10:27:09
